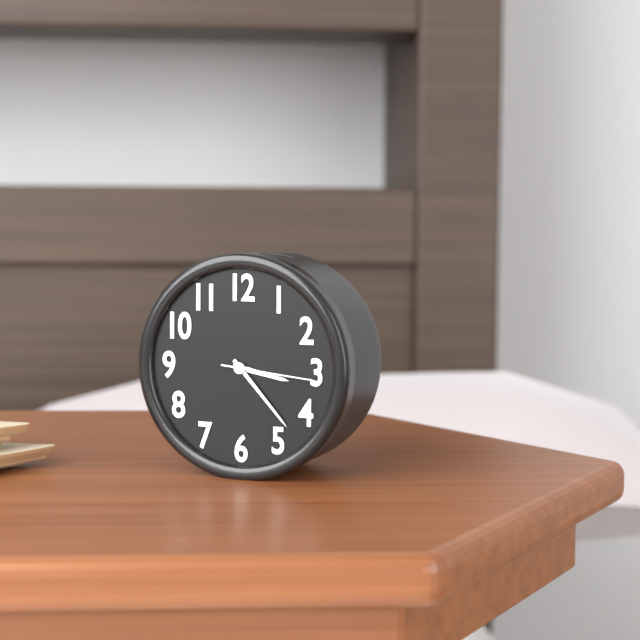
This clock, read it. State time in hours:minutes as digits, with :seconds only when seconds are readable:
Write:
3:23:16
